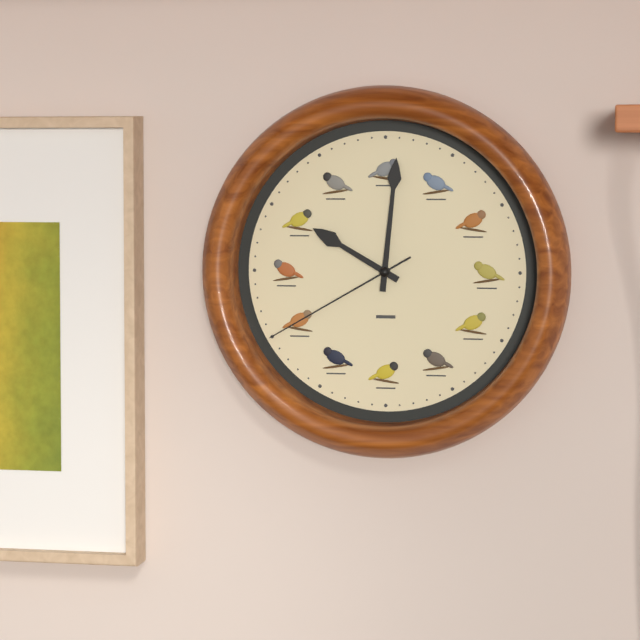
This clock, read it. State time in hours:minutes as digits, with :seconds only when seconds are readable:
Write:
10:01:40
